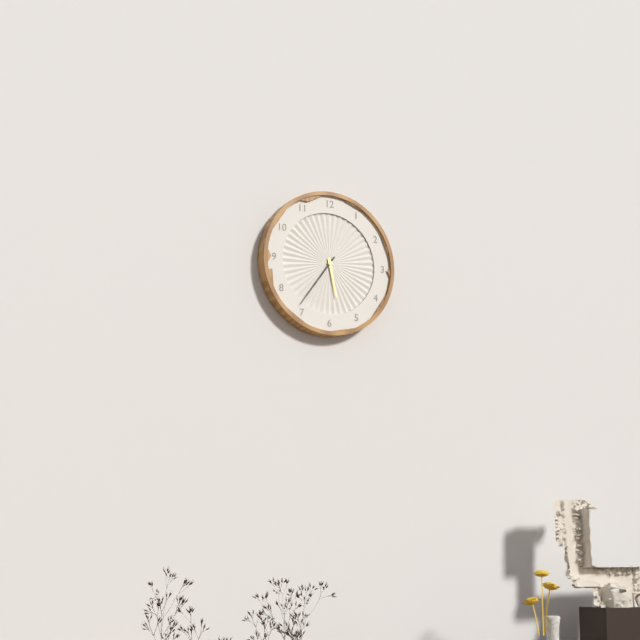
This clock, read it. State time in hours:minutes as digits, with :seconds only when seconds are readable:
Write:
5:36
